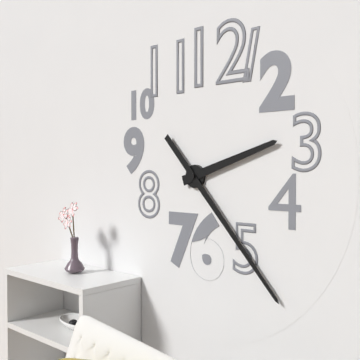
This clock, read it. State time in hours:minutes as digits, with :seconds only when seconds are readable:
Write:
2:23
